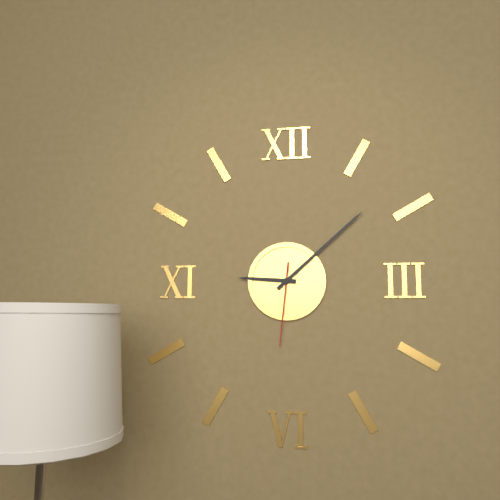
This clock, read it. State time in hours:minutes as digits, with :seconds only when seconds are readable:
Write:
9:08:31
